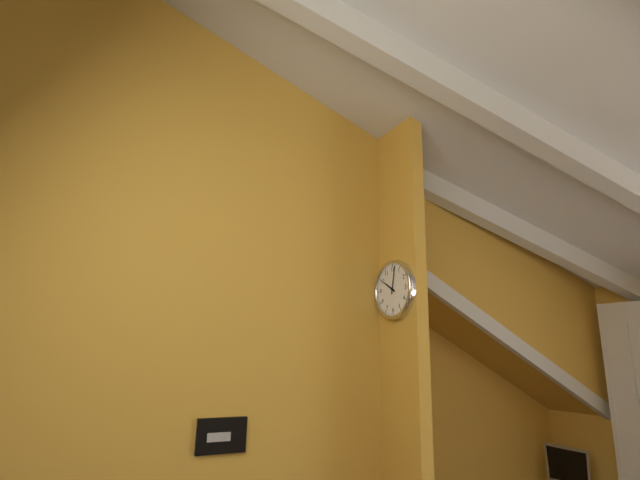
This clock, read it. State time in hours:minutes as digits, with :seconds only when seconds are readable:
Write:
10:02
